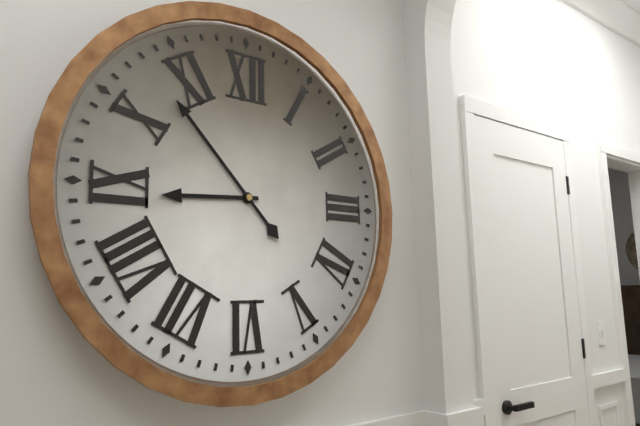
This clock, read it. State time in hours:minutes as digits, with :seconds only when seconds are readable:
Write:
8:53
